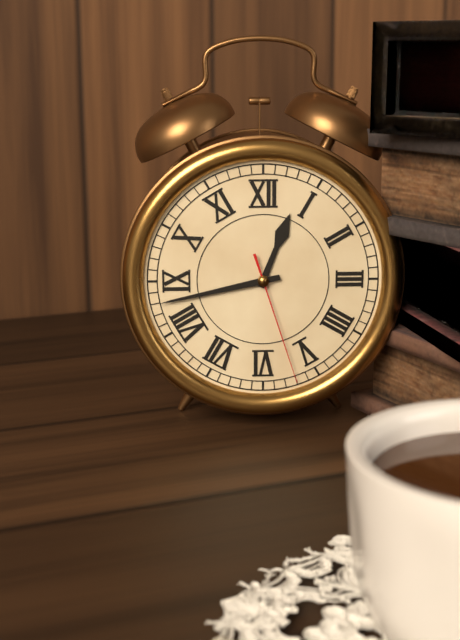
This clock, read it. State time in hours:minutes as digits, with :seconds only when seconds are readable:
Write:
12:43:27
